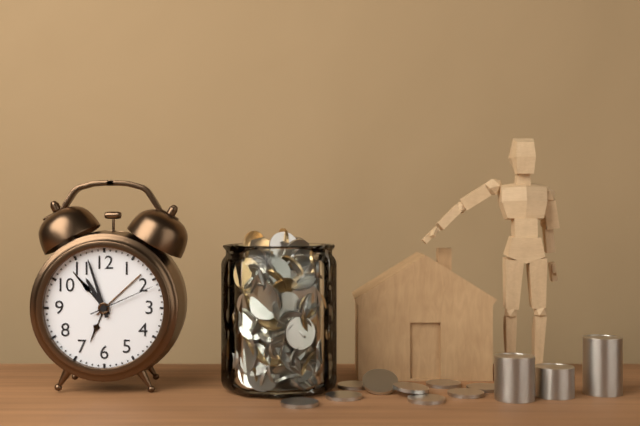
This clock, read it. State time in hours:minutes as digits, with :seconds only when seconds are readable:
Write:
10:57:11
